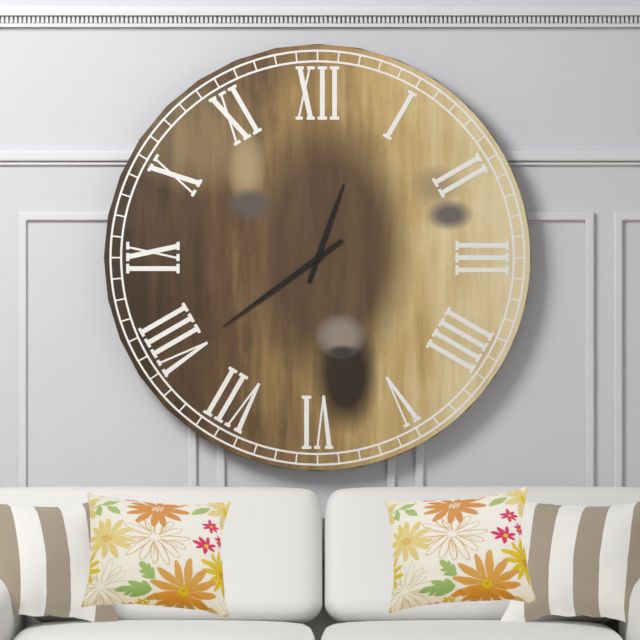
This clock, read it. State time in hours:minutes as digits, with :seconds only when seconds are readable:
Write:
12:39
